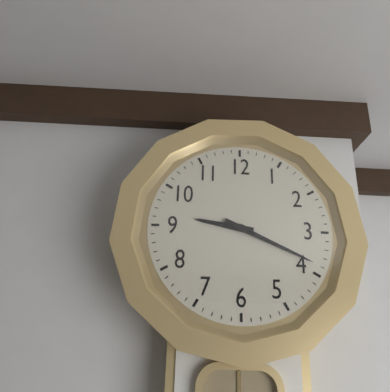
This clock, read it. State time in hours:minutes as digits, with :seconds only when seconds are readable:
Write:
9:19
